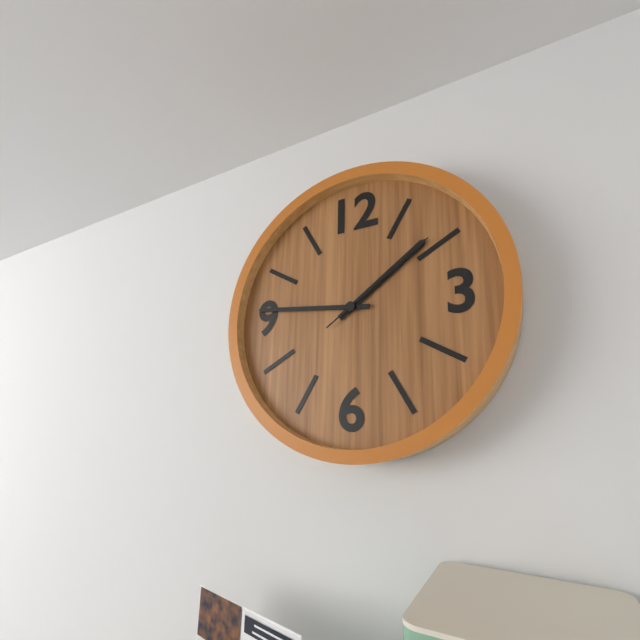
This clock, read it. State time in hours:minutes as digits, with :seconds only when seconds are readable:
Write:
1:46:09
